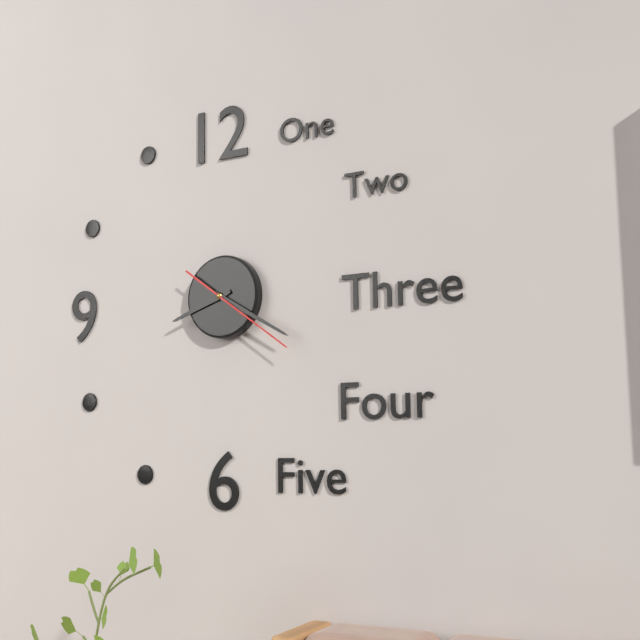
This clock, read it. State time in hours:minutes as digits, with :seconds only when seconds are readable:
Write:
8:20:21
